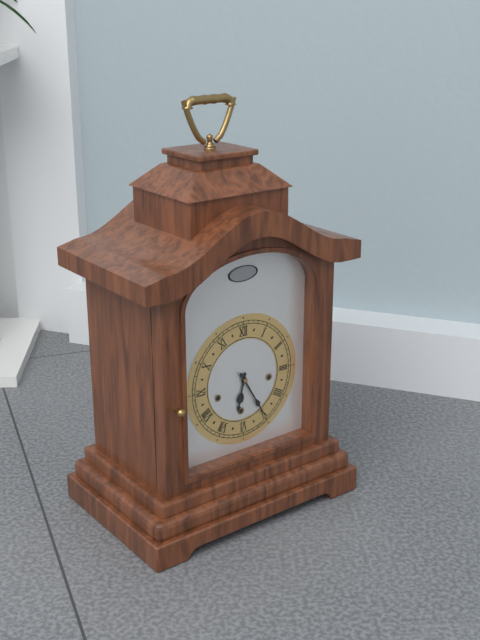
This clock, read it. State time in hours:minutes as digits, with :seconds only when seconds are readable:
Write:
6:25
